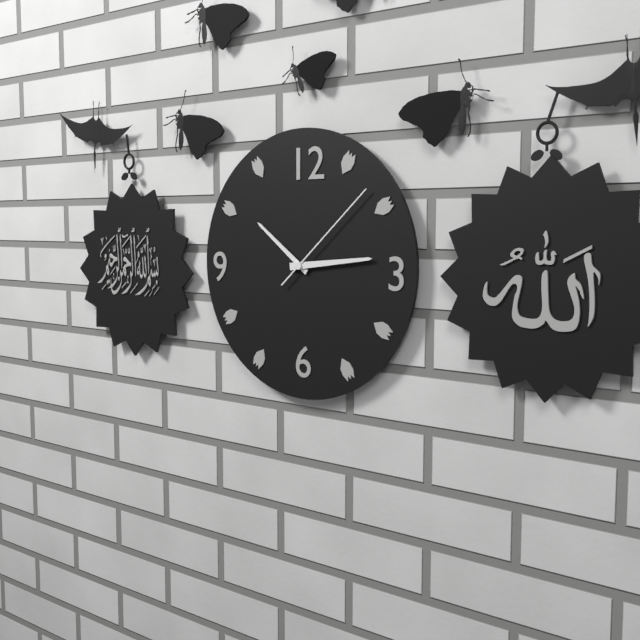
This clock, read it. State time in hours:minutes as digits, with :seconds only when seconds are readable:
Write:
10:14:08
